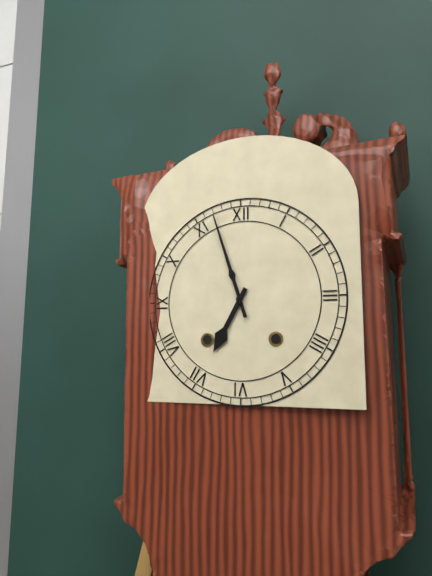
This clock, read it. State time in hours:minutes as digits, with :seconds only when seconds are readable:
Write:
6:57
